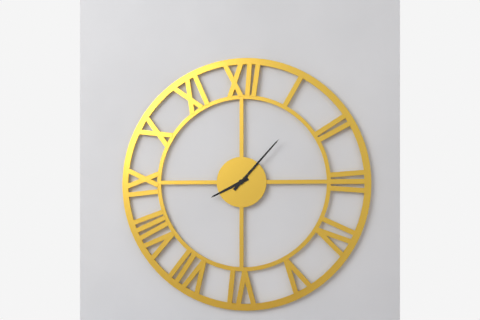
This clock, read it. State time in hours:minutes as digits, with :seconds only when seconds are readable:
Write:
8:07
